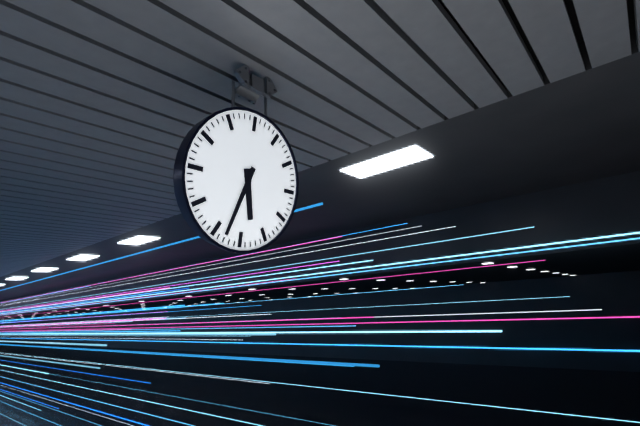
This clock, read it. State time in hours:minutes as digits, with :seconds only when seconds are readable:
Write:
5:33
